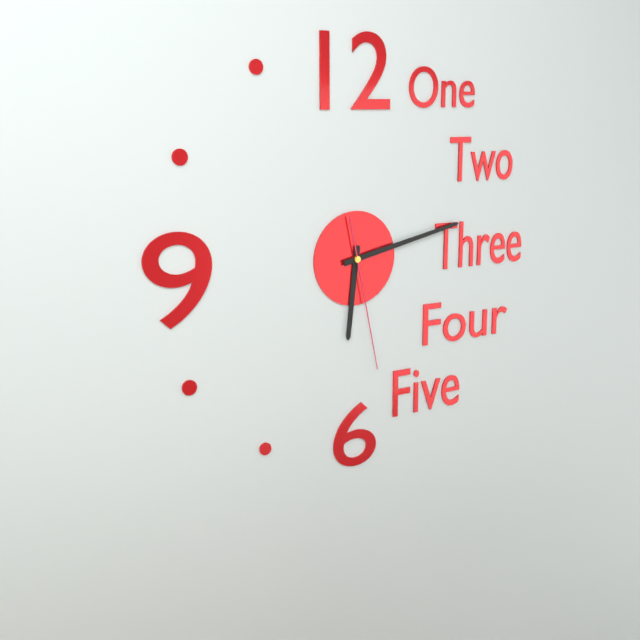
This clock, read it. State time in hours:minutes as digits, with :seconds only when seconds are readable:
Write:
6:13:28
